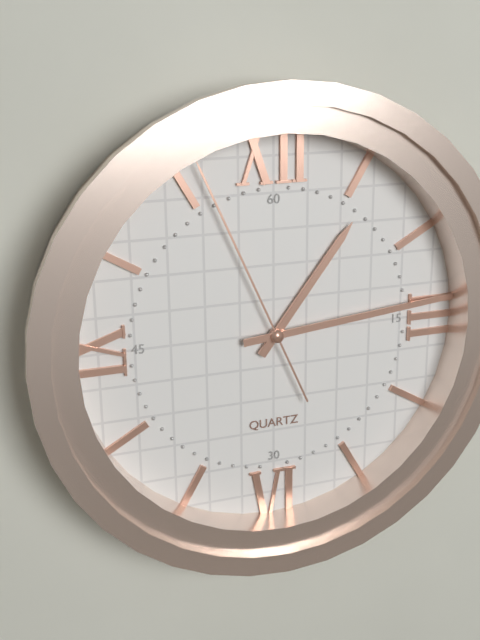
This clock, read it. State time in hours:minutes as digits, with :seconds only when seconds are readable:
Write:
1:14:56
